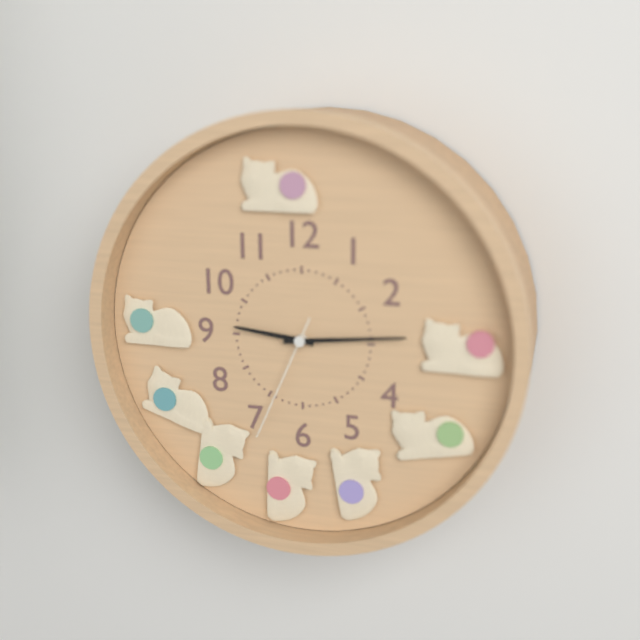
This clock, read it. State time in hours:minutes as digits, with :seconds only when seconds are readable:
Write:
9:14:34
